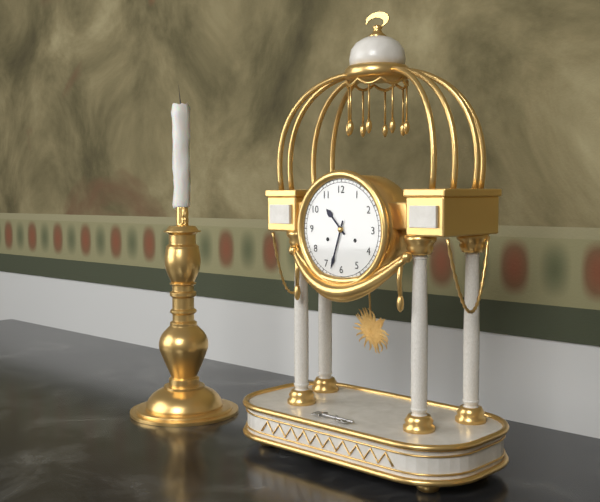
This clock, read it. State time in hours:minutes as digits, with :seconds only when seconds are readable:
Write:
10:33
